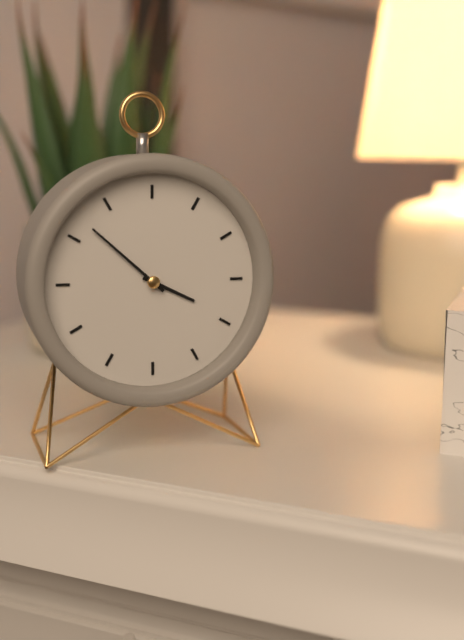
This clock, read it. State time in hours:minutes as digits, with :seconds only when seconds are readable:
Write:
3:52
